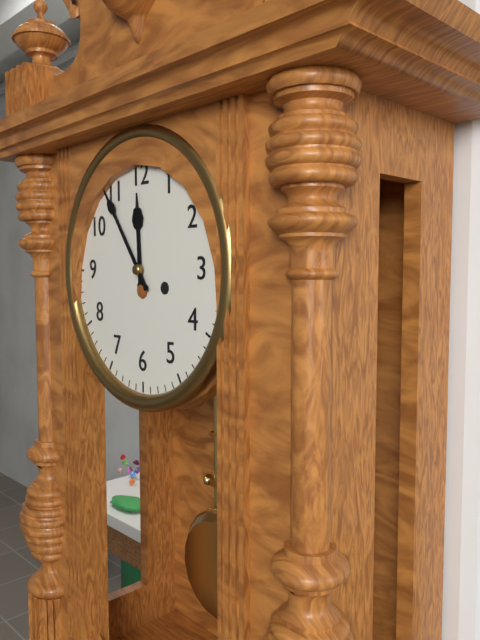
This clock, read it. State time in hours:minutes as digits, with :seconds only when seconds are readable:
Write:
11:54
